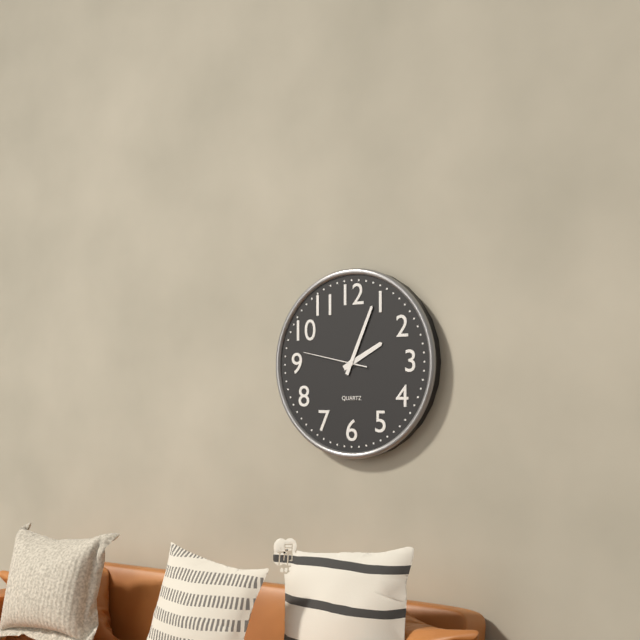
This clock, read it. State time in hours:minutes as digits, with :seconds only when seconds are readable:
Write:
2:04:47
